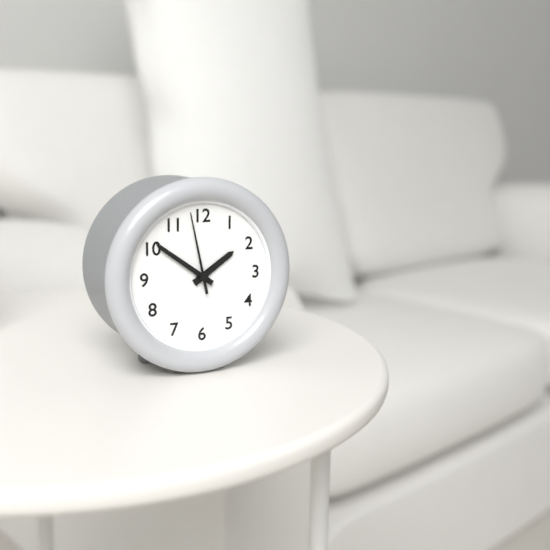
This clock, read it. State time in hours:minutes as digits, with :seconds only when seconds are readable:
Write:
1:51:58
